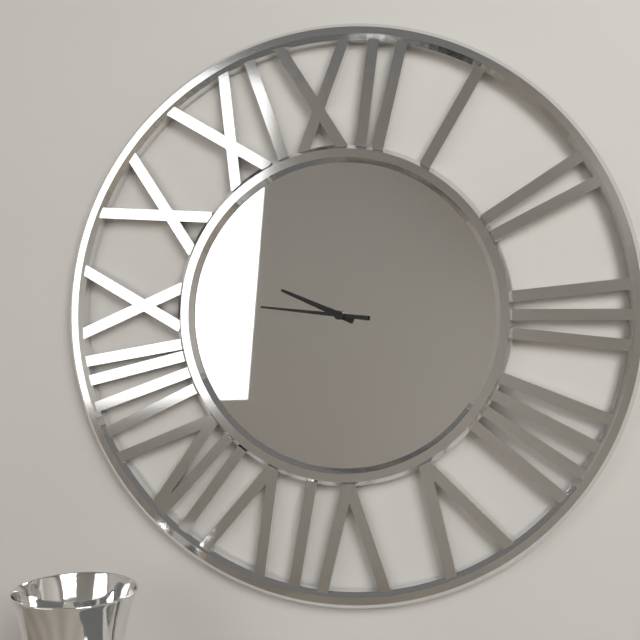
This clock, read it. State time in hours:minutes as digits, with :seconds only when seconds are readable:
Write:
9:46
